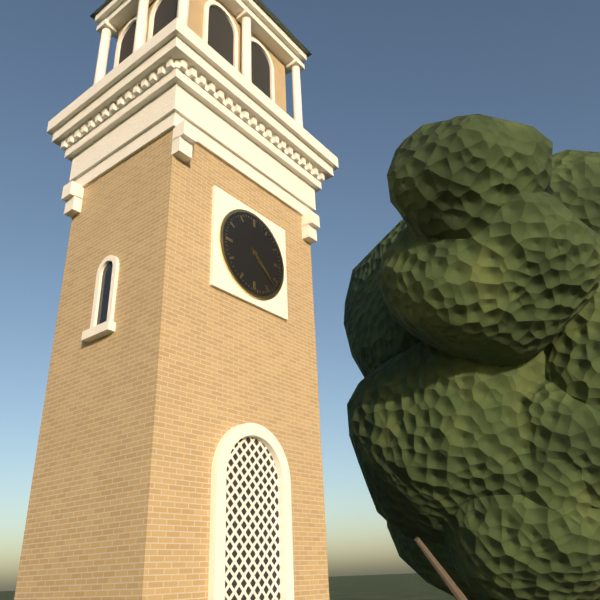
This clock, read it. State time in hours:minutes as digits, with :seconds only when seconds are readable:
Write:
4:22
